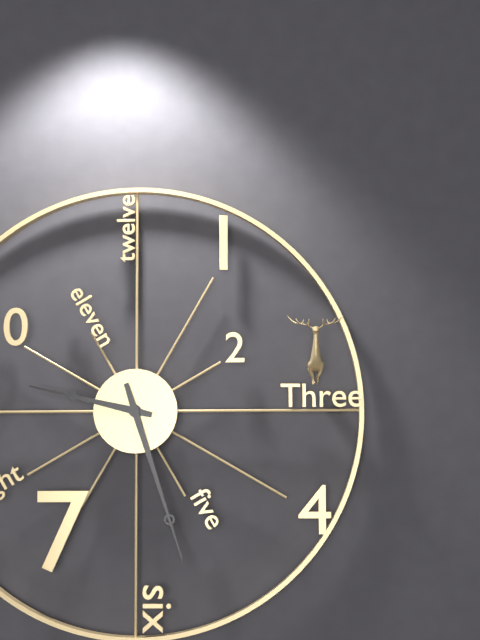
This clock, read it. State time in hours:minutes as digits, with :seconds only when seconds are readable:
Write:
9:27
